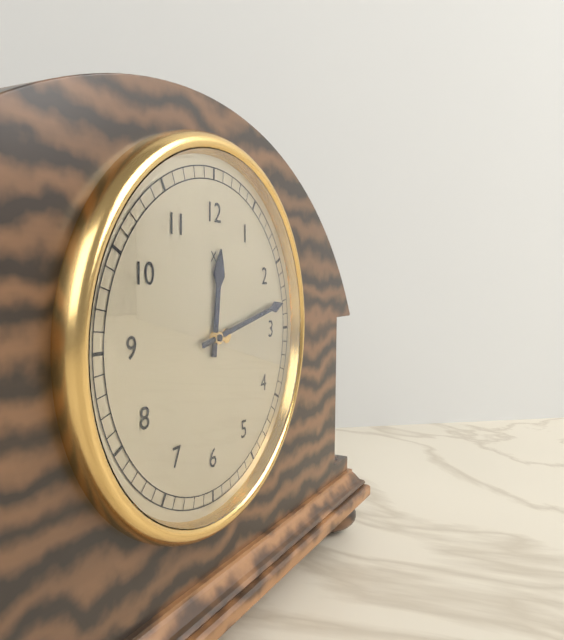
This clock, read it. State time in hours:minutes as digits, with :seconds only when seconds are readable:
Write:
12:13
